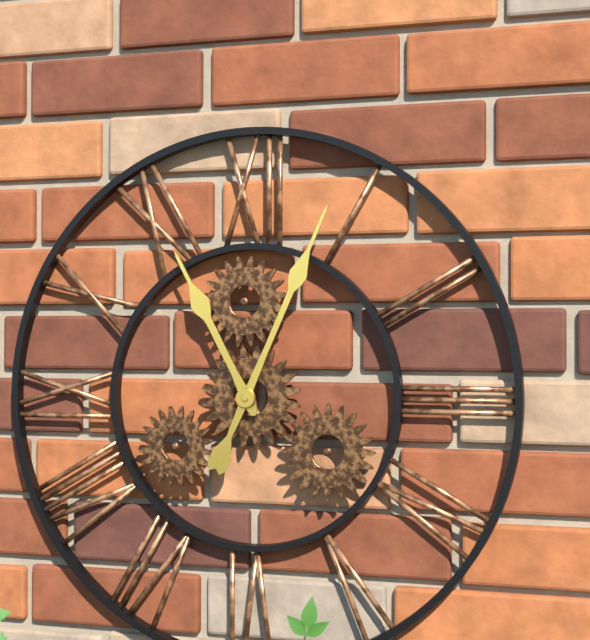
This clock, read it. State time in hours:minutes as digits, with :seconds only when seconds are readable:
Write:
11:04
